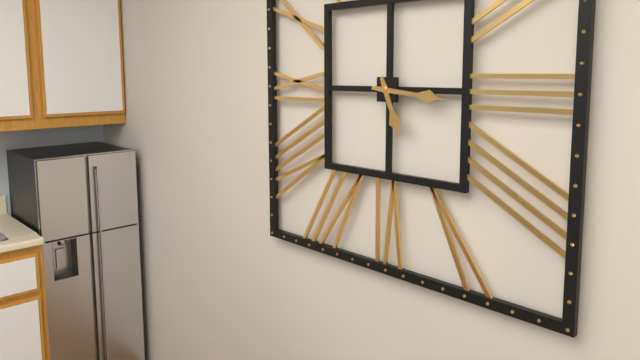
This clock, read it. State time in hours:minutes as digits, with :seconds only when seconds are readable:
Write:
5:16
